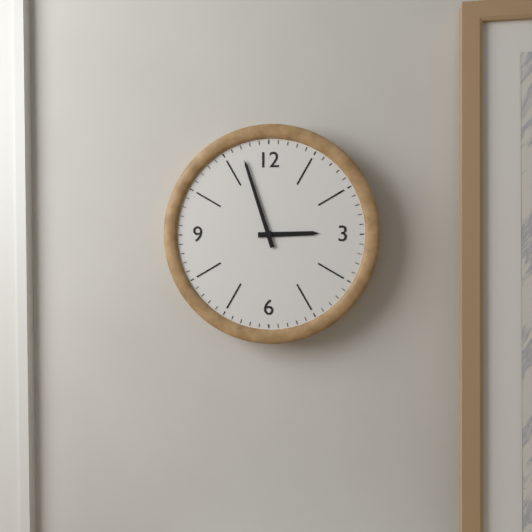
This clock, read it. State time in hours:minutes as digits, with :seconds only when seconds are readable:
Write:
2:57
